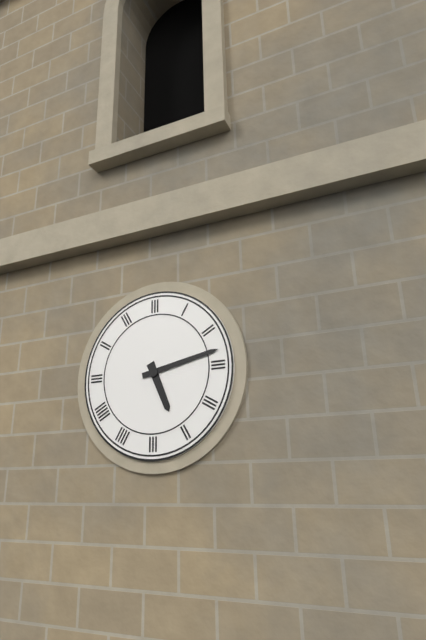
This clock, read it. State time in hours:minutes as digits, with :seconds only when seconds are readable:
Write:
5:13
